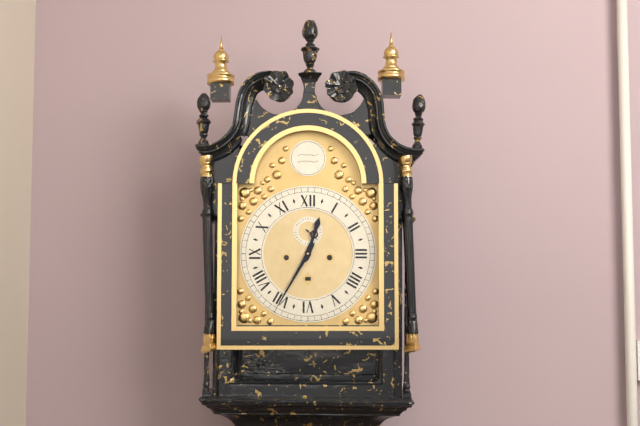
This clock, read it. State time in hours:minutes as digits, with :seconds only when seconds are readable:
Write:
12:35
